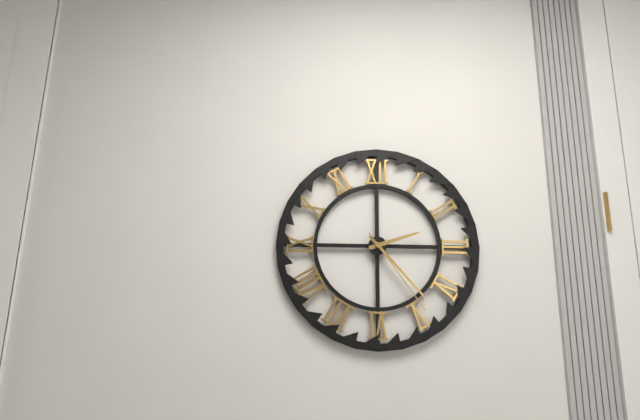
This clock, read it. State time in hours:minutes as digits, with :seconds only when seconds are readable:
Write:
2:23:24
